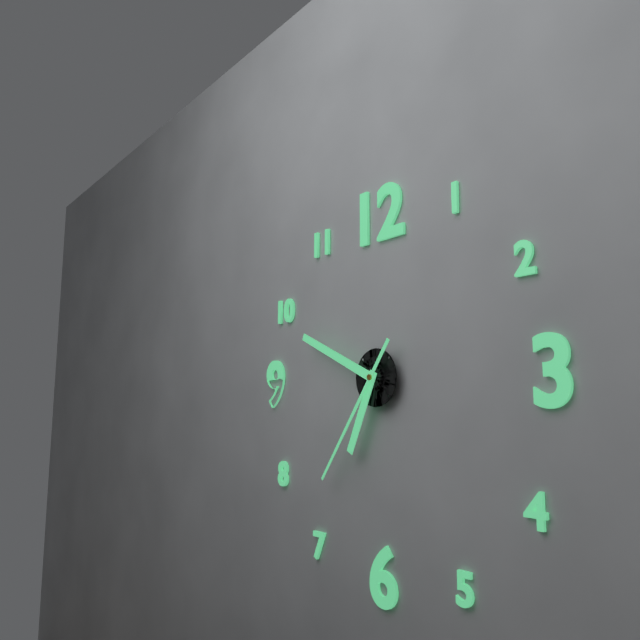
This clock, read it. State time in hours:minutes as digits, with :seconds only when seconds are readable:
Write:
6:49:36
